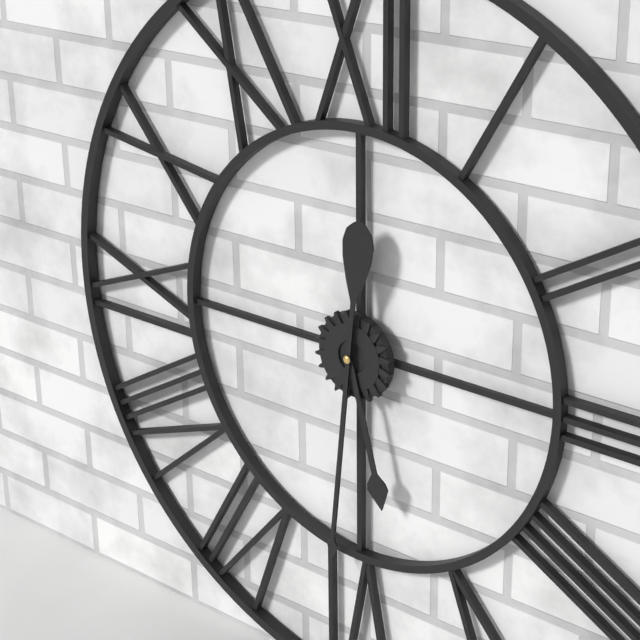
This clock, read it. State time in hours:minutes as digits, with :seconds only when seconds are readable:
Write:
5:31
